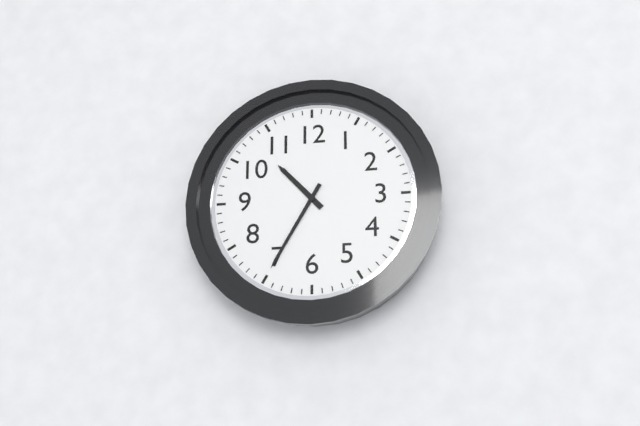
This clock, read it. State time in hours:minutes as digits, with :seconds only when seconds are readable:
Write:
10:35
